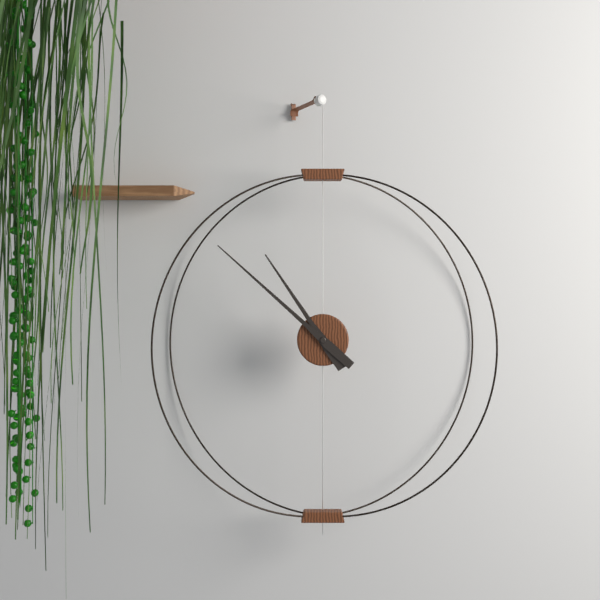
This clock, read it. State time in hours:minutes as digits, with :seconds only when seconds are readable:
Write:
10:52
